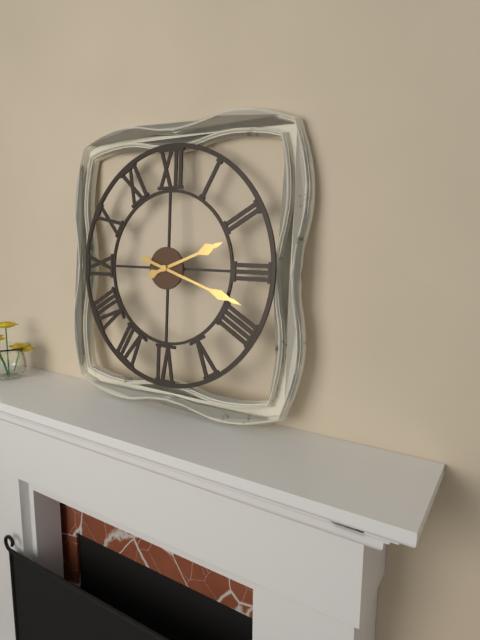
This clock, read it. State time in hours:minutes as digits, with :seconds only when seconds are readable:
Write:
2:18
